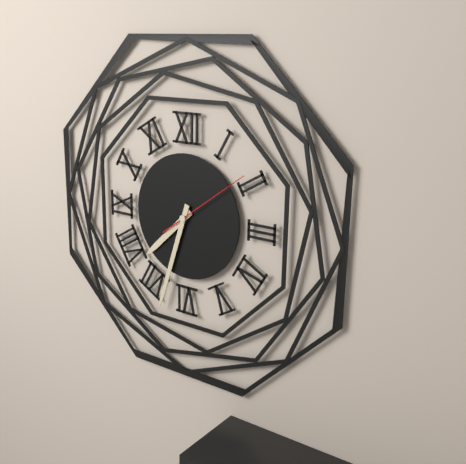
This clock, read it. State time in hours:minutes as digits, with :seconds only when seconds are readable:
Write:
7:33:09
